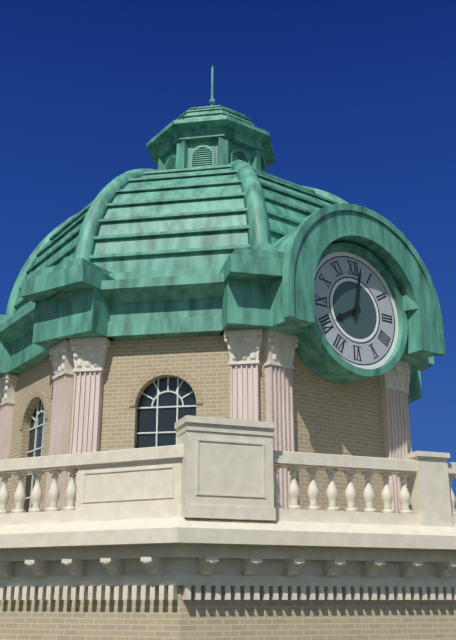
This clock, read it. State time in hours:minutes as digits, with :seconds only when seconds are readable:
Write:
8:02
